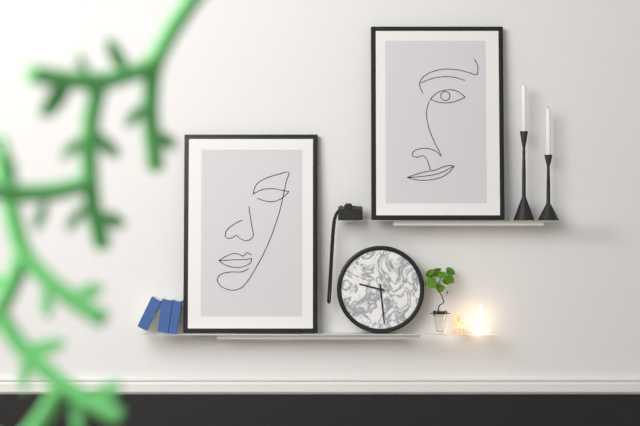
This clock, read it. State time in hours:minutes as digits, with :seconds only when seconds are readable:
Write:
9:29
